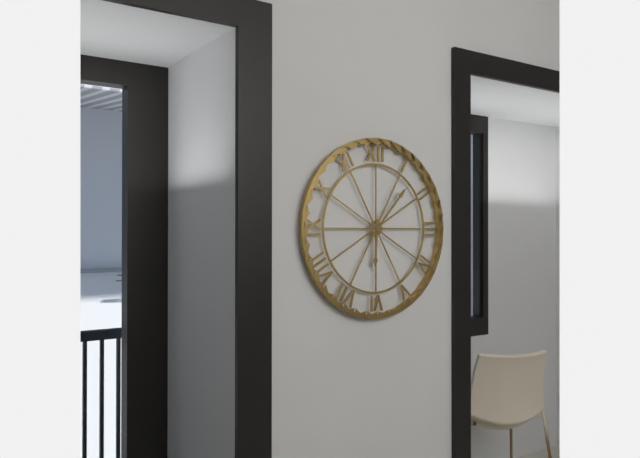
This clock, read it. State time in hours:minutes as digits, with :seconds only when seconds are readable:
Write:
6:07
